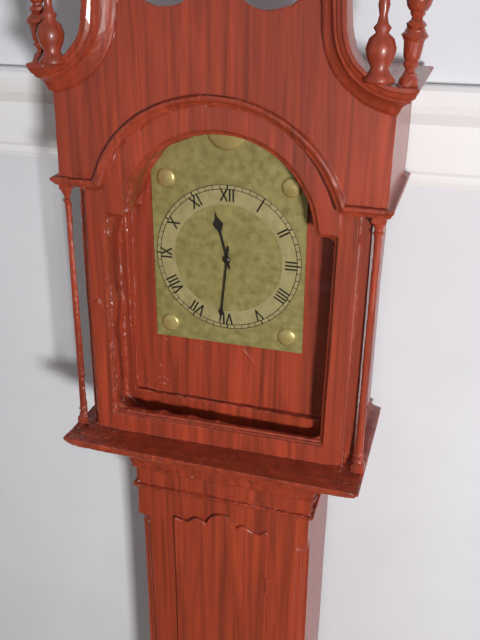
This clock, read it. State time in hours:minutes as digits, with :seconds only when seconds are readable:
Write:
11:31
